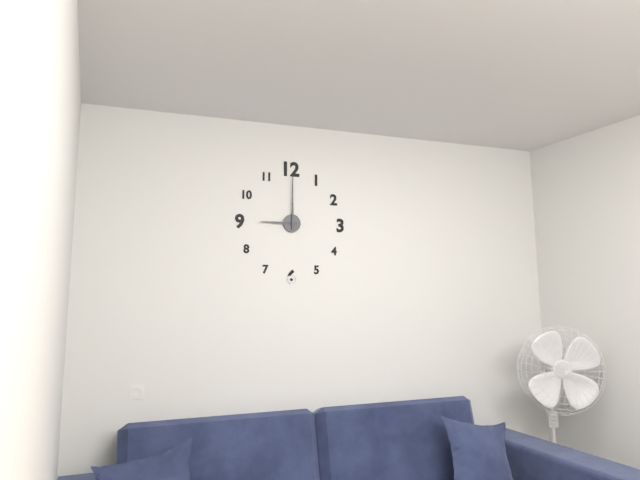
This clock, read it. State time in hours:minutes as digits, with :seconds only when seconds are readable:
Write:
9:00
